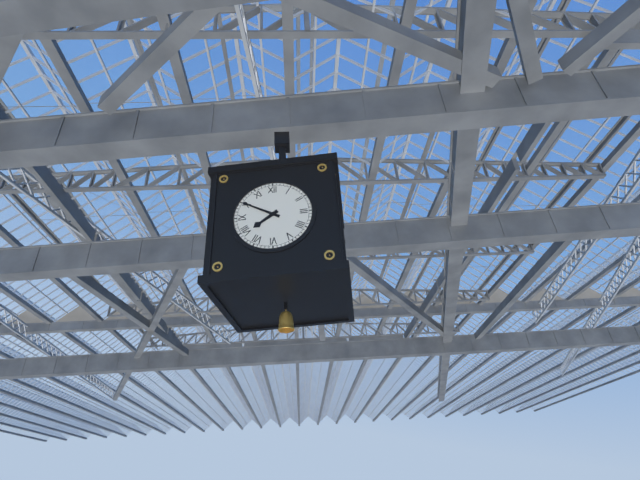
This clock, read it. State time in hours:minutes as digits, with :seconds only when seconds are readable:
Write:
7:50
